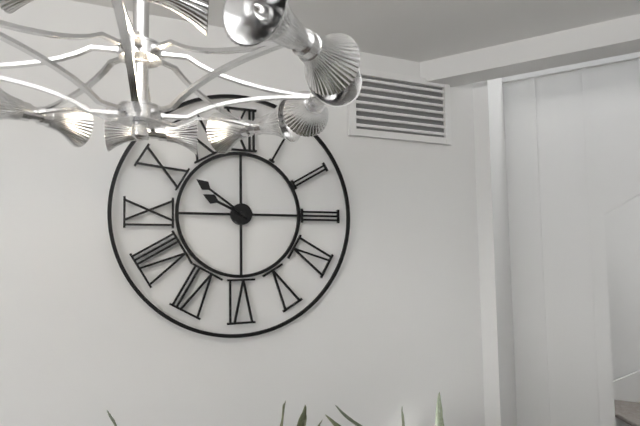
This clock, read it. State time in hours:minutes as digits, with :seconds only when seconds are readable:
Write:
9:51
